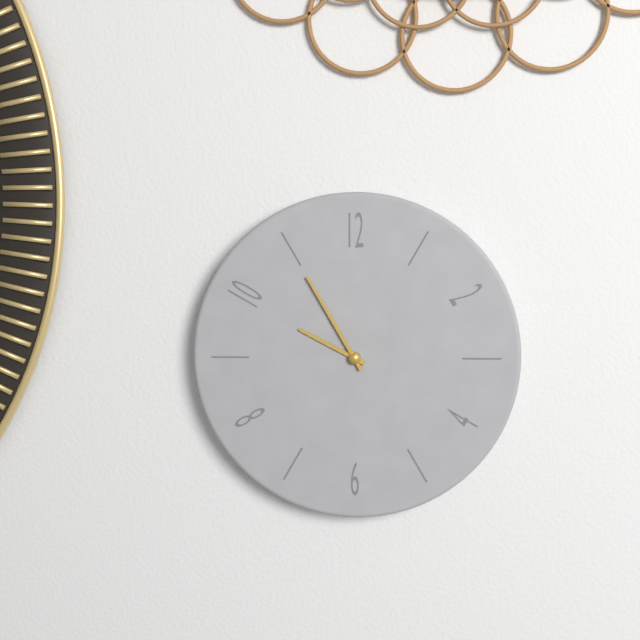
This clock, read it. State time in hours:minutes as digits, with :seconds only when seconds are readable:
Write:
9:55
